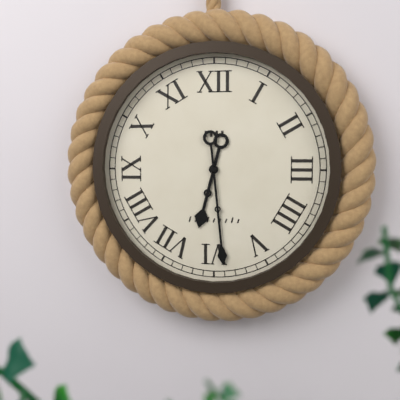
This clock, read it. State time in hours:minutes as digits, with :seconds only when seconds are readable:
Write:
6:29
